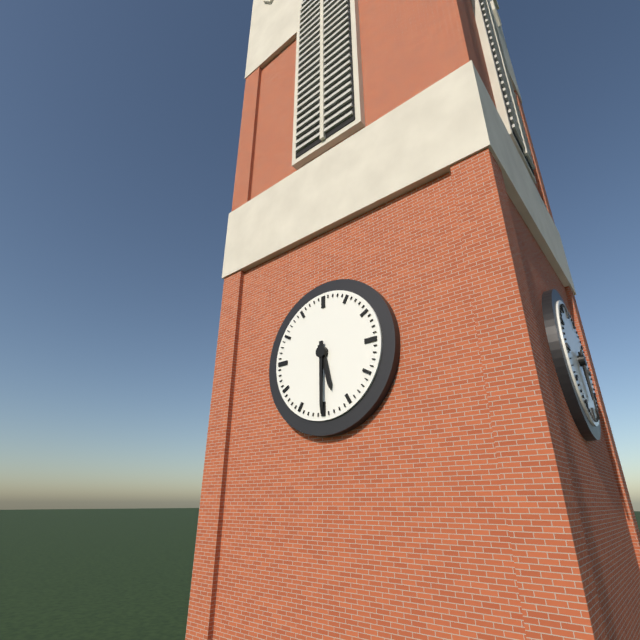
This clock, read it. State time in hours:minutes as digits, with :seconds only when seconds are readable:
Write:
5:30
